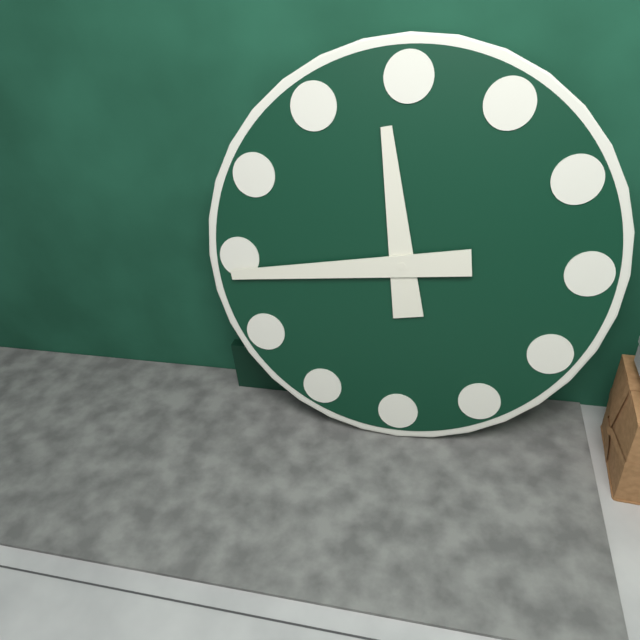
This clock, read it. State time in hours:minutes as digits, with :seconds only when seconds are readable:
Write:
11:44
